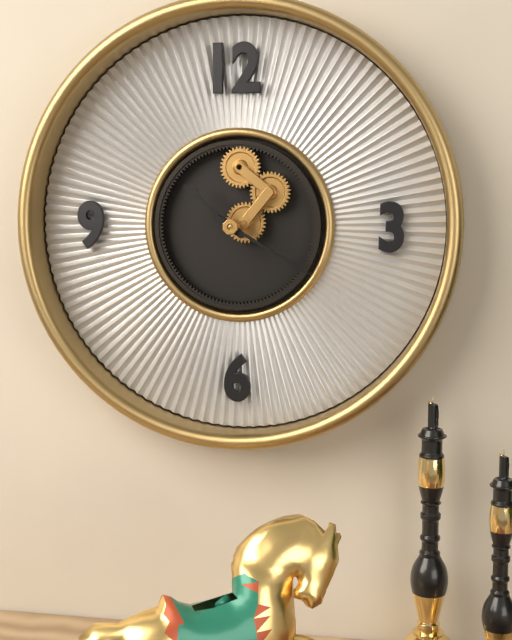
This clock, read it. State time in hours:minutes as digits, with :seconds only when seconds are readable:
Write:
10:20
